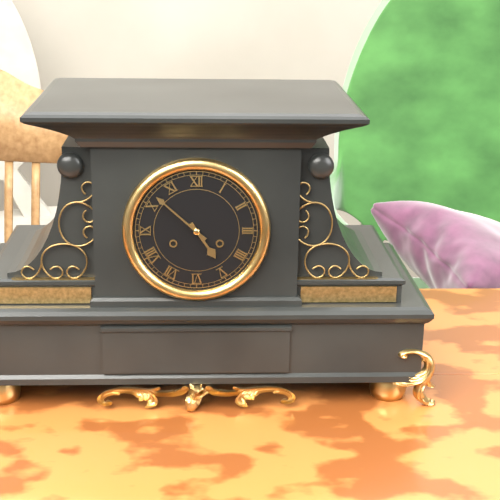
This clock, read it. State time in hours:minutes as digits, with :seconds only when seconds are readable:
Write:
4:52
